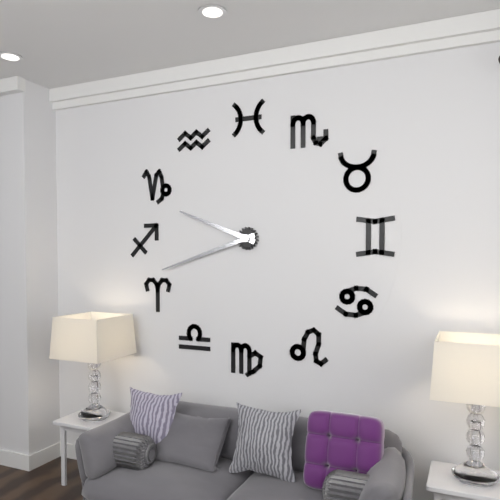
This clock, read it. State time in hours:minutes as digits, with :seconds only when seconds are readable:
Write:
9:42
